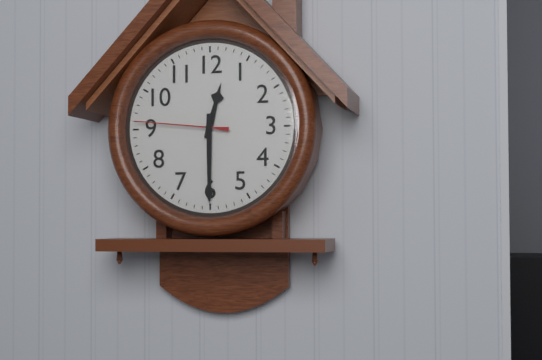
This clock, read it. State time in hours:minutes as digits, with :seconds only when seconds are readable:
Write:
12:30:46
